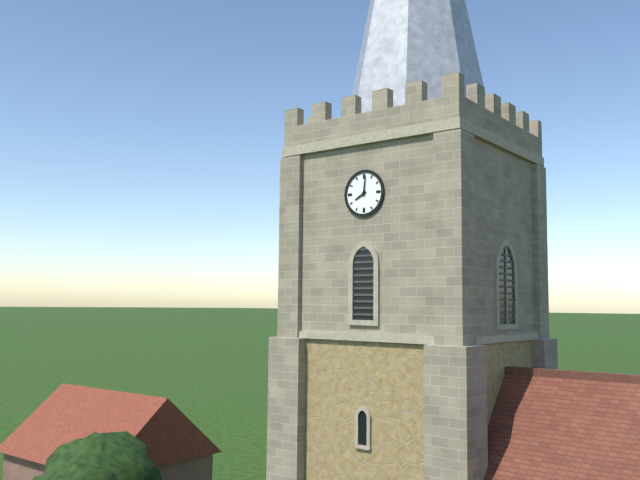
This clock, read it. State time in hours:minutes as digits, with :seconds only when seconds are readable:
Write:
8:01
